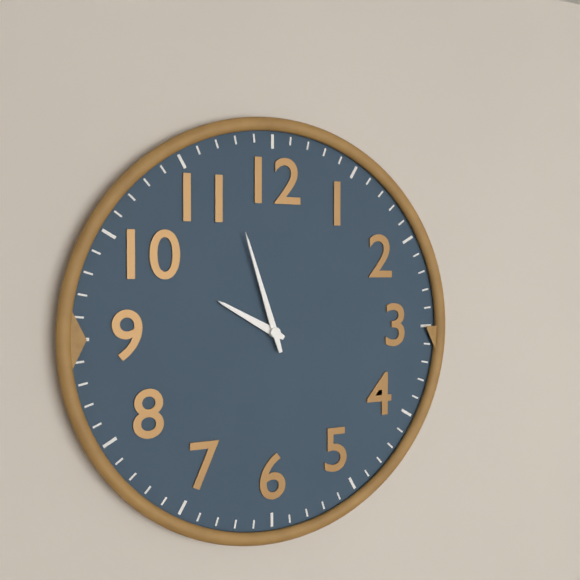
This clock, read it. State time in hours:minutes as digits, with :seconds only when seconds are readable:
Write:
9:57
